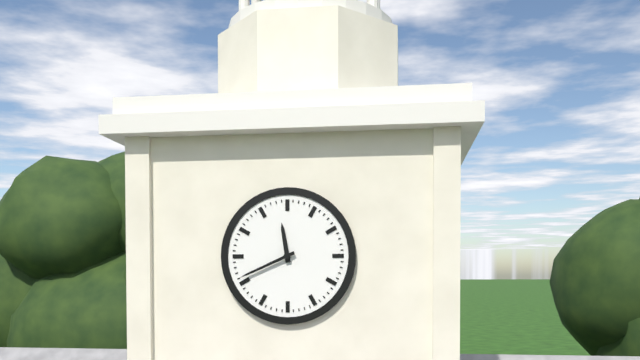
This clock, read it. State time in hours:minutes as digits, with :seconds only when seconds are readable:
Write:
11:41
